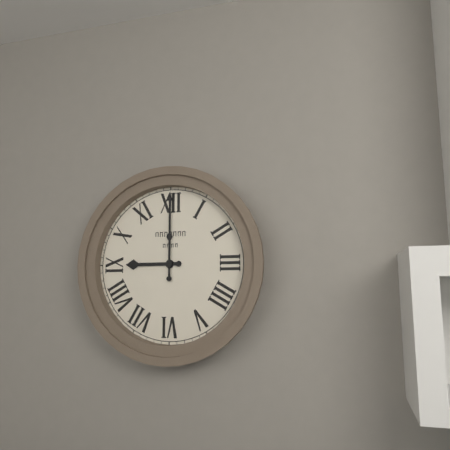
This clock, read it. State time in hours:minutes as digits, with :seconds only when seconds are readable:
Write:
9:00
